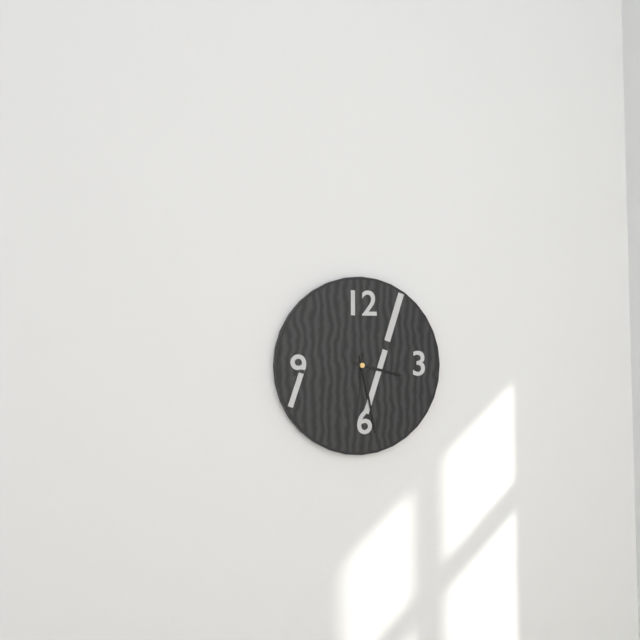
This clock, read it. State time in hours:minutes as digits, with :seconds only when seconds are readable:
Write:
3:28:31
